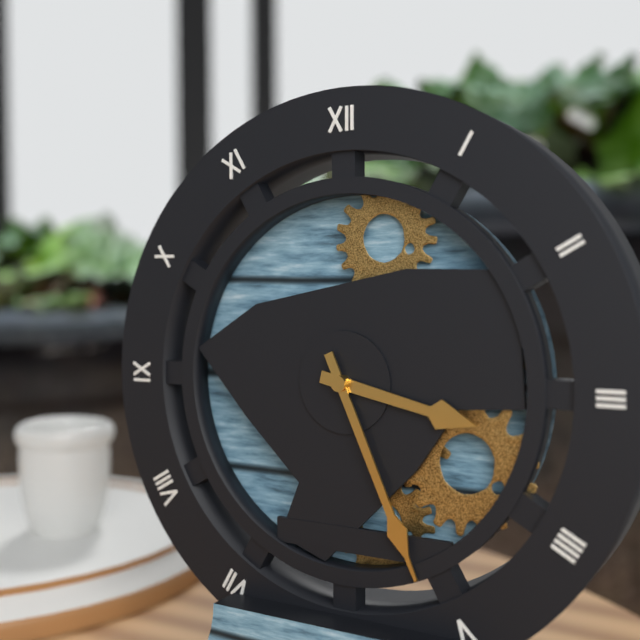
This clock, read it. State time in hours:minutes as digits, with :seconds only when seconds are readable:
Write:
3:26
